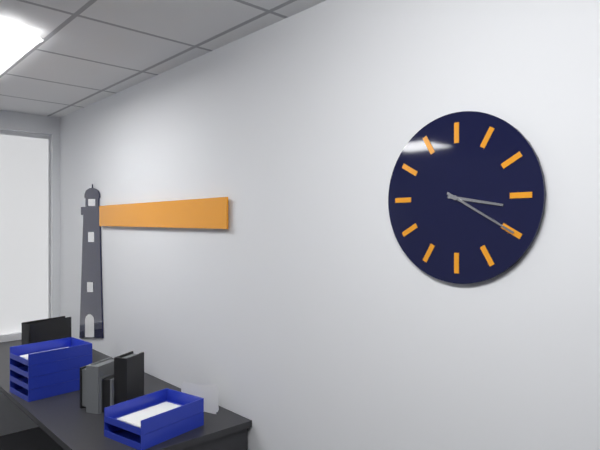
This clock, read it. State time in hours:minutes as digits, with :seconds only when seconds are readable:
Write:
3:20
